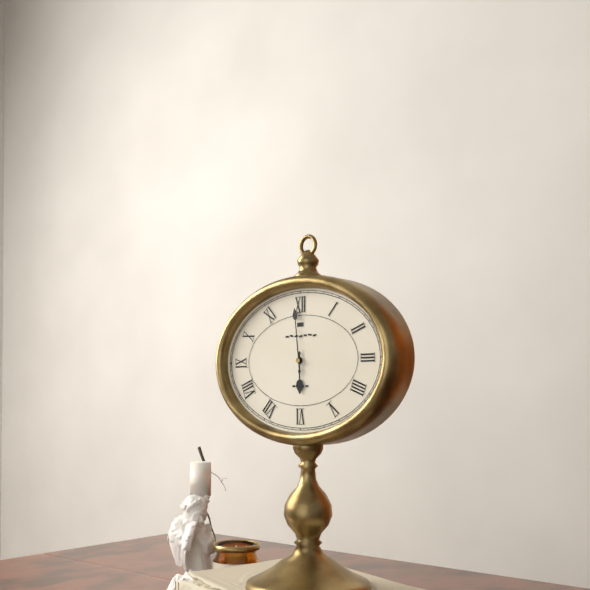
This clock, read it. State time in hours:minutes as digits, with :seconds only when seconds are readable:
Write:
5:59
